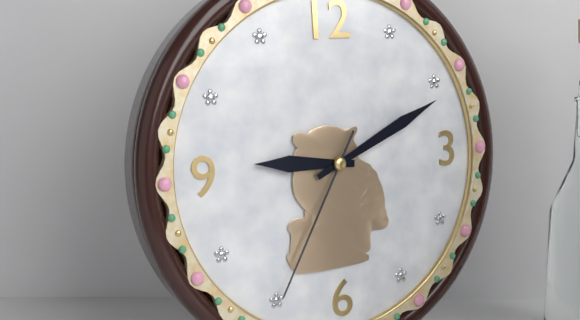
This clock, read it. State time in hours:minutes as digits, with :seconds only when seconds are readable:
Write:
9:11:35
